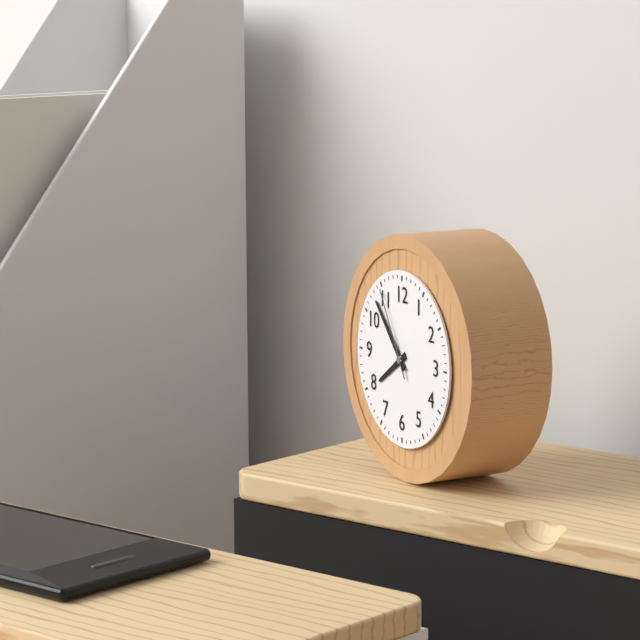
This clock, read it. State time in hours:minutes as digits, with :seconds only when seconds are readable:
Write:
7:53:55
